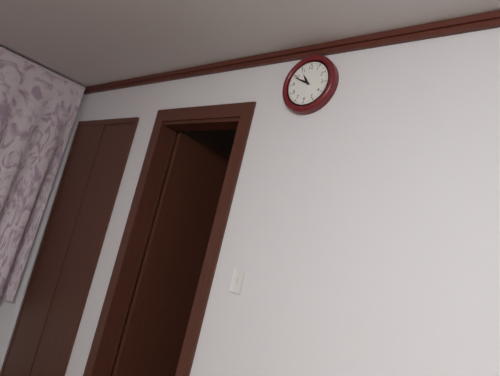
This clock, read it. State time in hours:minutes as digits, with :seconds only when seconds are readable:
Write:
10:49
